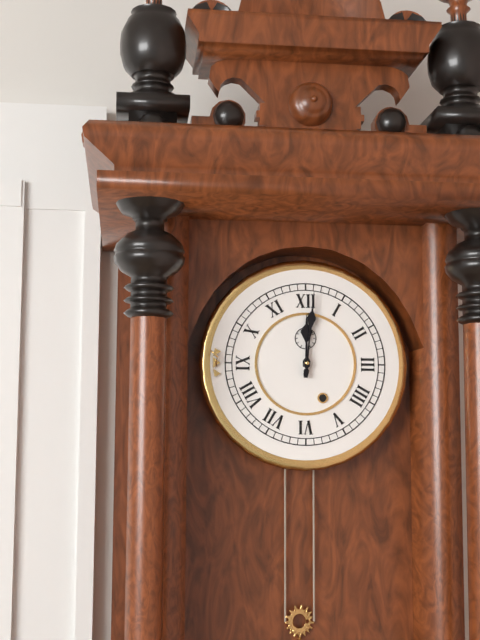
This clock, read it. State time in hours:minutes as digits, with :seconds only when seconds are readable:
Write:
12:01
